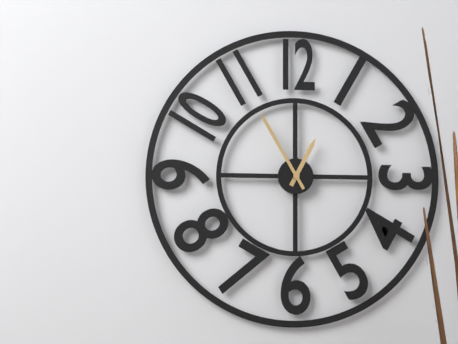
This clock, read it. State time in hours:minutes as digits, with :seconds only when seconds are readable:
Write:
12:55
